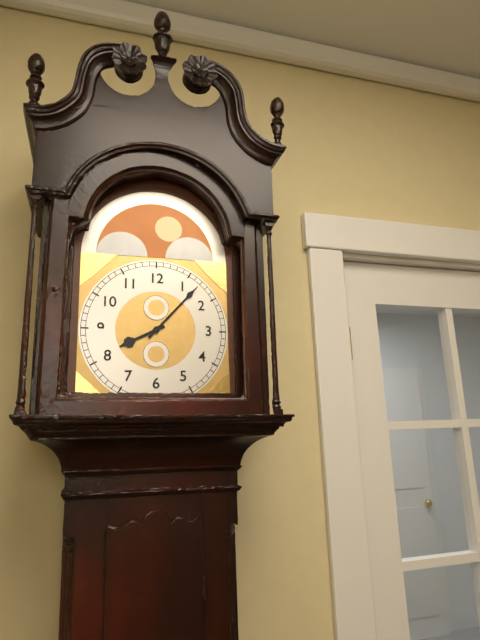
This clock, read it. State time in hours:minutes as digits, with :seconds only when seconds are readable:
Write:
8:07
